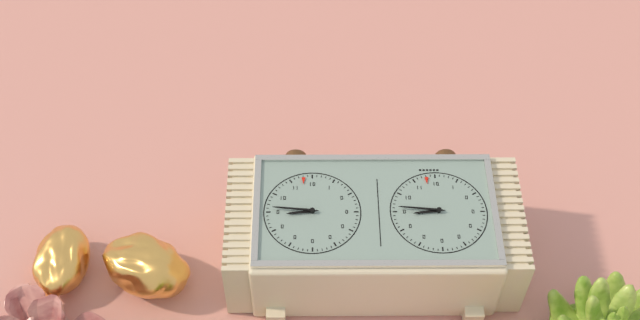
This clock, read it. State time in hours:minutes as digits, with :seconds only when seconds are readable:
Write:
8:46
